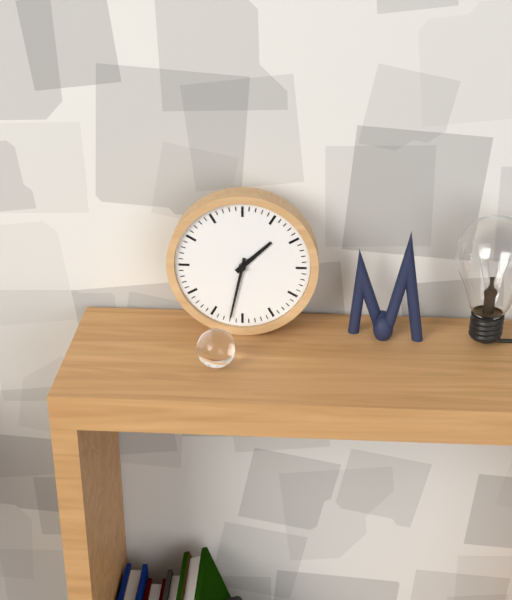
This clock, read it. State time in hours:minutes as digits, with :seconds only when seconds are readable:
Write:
1:32
